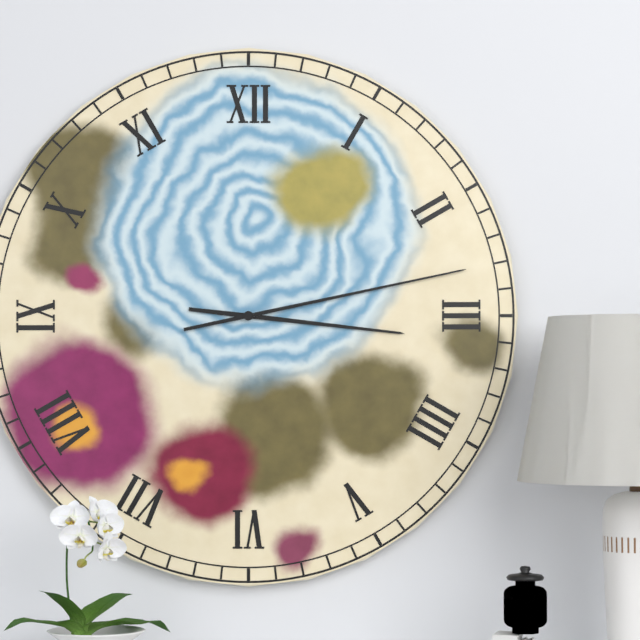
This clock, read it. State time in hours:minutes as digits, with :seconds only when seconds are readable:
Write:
3:13
